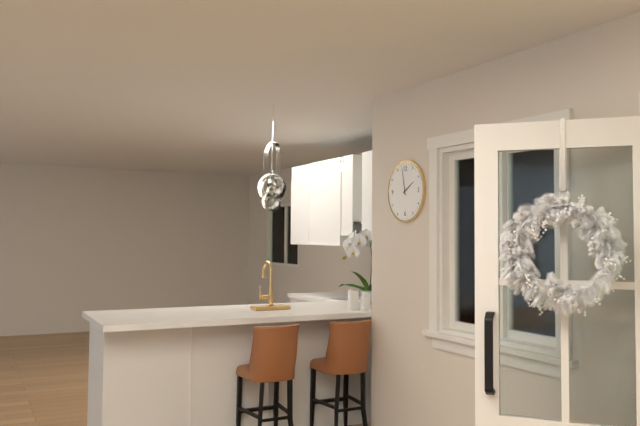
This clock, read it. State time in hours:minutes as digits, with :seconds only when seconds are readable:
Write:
1:58
